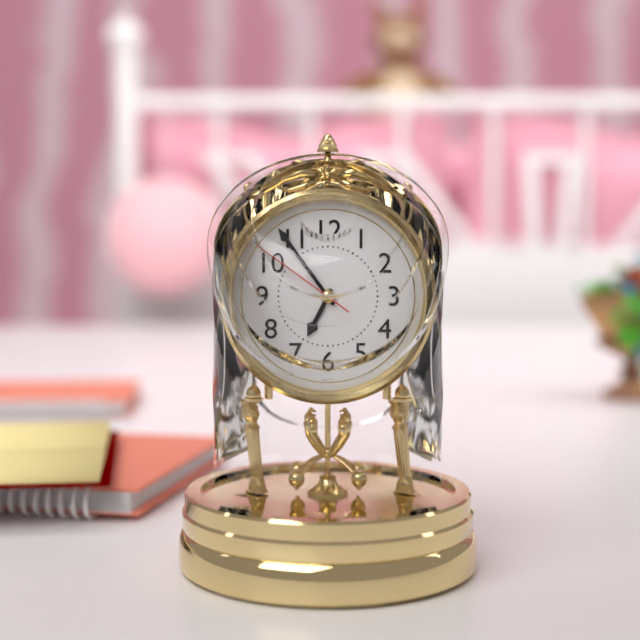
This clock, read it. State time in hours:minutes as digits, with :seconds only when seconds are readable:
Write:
6:54:51
